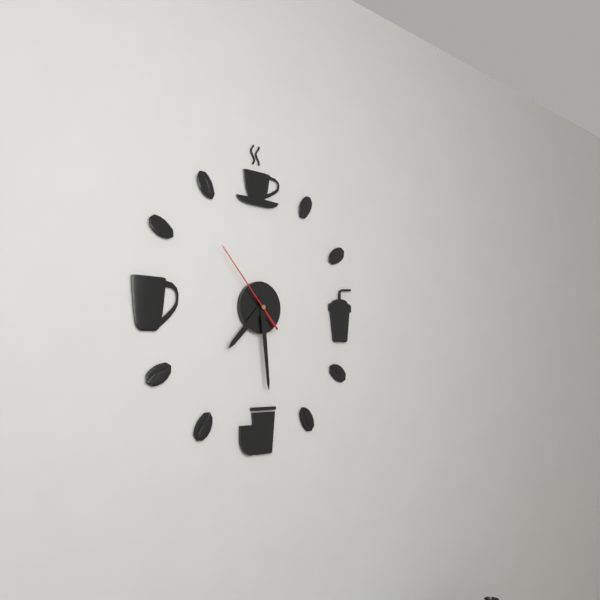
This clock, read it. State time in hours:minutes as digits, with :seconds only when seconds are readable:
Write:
7:29:53
